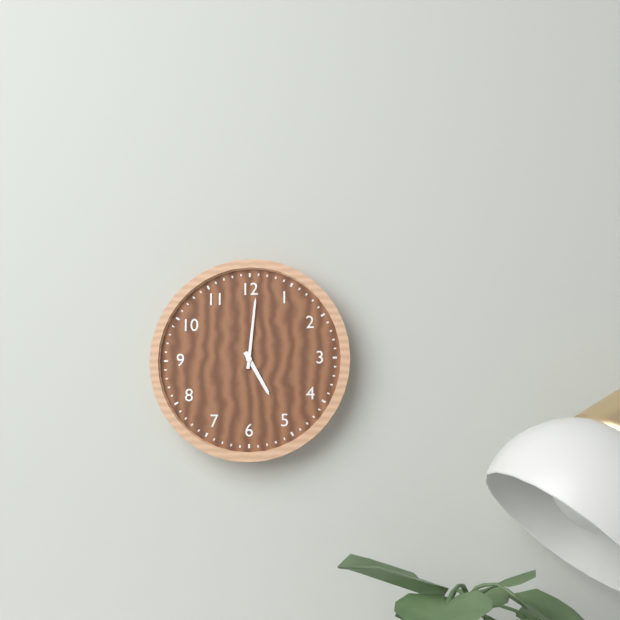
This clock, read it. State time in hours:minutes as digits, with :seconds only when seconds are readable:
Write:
5:01
